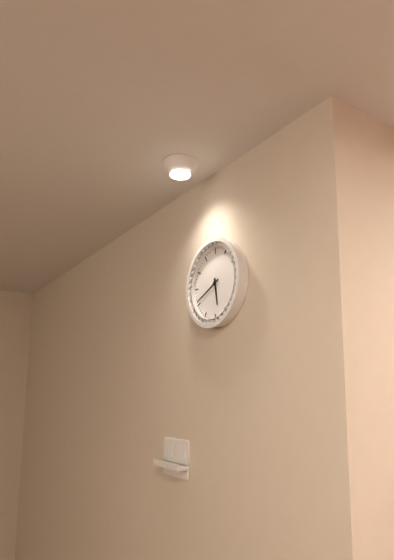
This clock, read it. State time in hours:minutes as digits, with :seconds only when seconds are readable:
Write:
5:41
